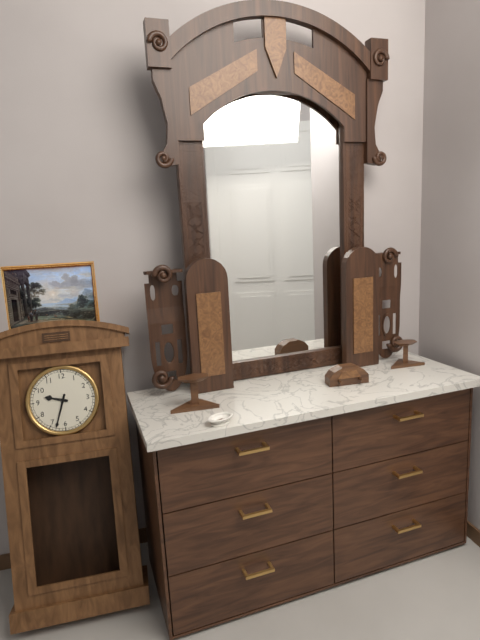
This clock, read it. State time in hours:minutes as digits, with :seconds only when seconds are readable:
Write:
9:33
